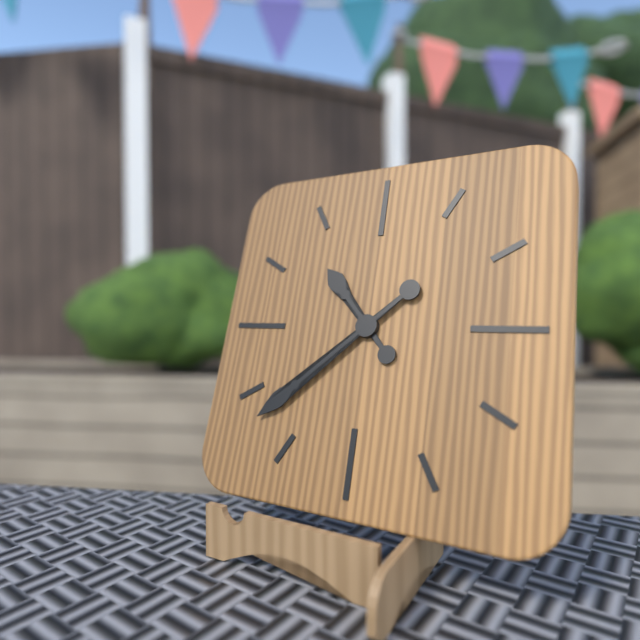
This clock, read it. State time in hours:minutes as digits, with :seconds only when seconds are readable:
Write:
10:38
